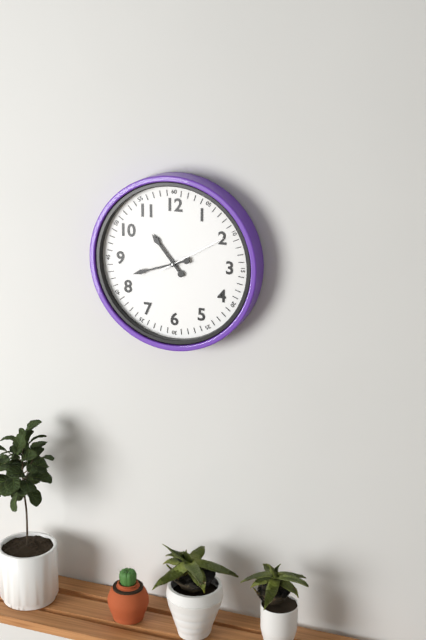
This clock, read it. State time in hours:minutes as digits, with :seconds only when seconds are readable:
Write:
10:42:10
